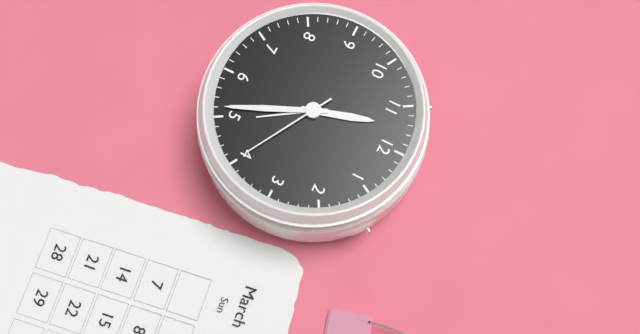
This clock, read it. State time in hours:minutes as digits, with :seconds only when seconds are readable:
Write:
11:26:20
